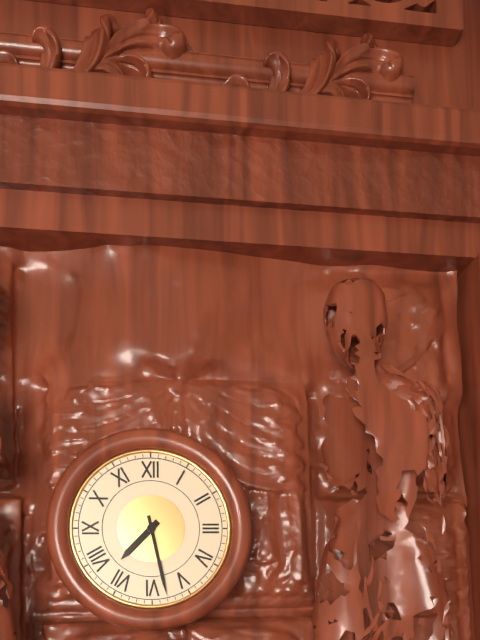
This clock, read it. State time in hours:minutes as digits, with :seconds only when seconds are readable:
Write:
7:28
